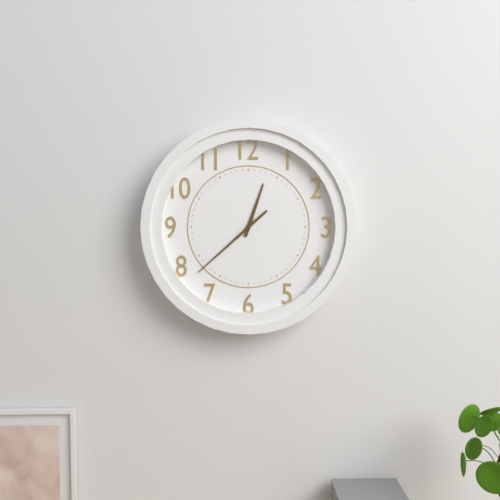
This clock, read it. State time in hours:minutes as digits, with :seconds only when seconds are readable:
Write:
12:38
